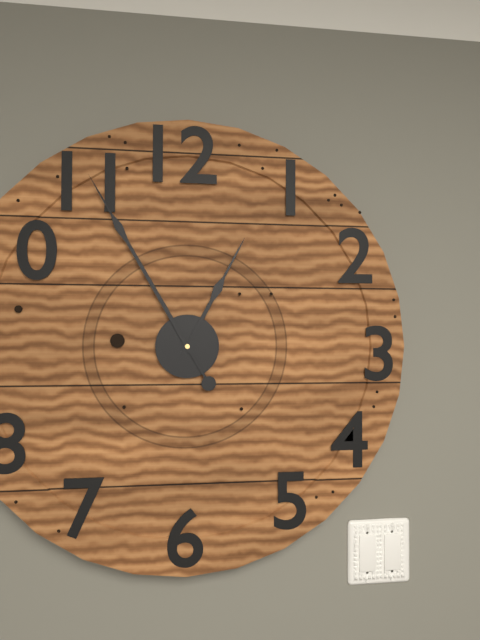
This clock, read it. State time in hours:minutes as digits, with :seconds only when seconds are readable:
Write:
12:55
